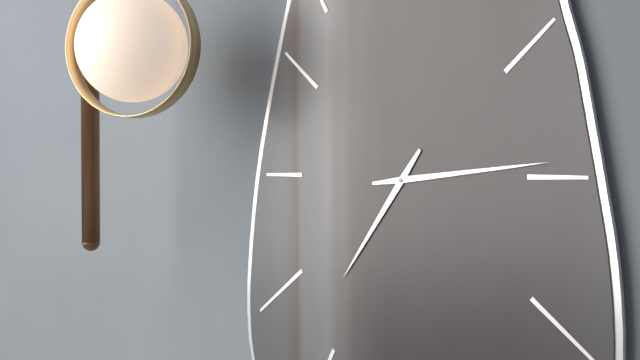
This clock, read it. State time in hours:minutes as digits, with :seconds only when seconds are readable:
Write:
7:14
